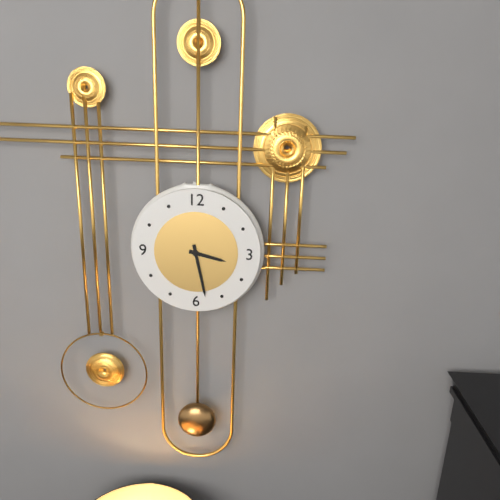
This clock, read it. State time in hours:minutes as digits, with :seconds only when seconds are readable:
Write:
3:28
